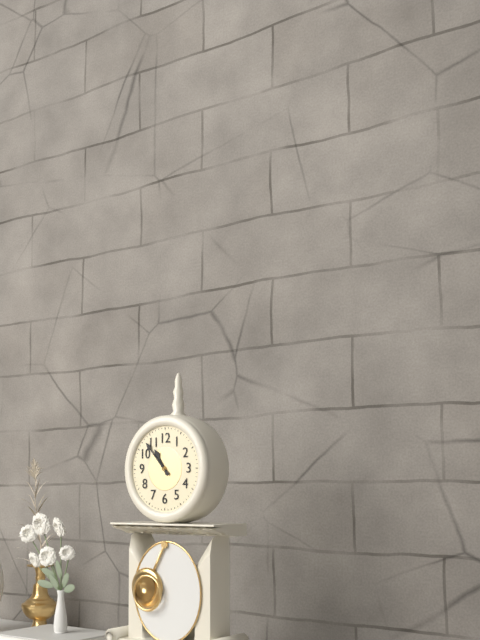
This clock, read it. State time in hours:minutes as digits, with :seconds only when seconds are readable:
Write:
10:53
